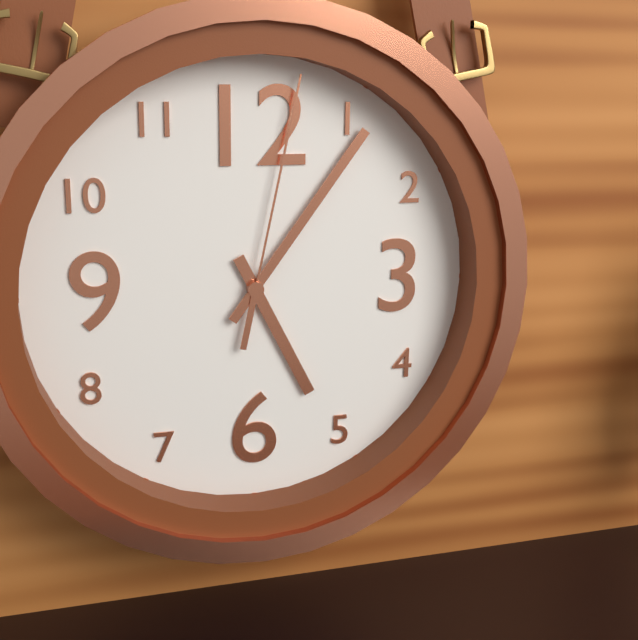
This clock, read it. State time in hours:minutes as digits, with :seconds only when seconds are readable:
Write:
5:06:02
